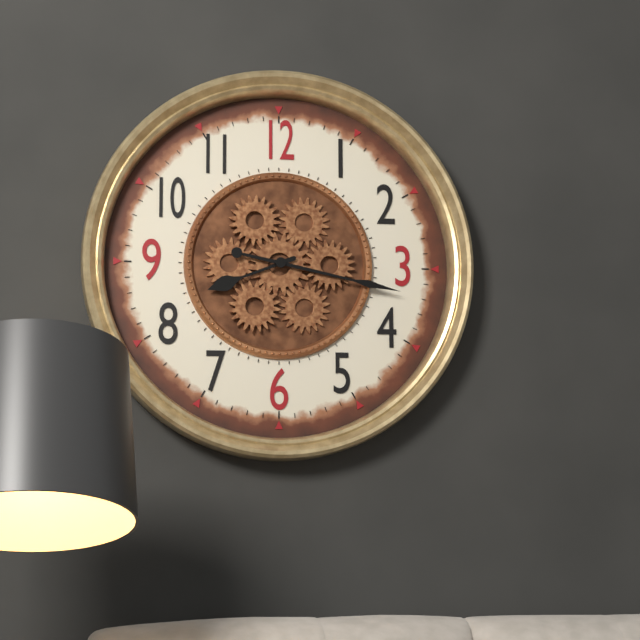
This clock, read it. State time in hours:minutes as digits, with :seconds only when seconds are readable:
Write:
8:17
